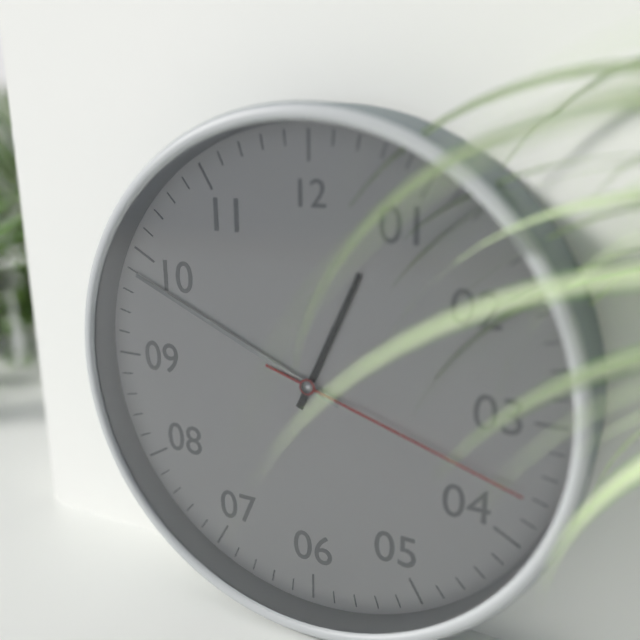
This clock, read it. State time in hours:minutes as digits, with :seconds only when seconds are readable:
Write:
12:49:18
